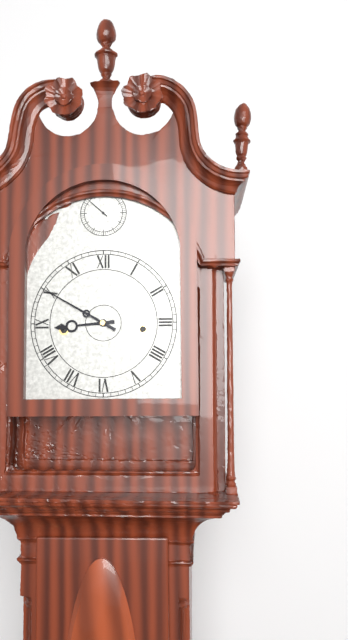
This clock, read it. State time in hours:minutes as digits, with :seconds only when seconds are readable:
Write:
8:50
